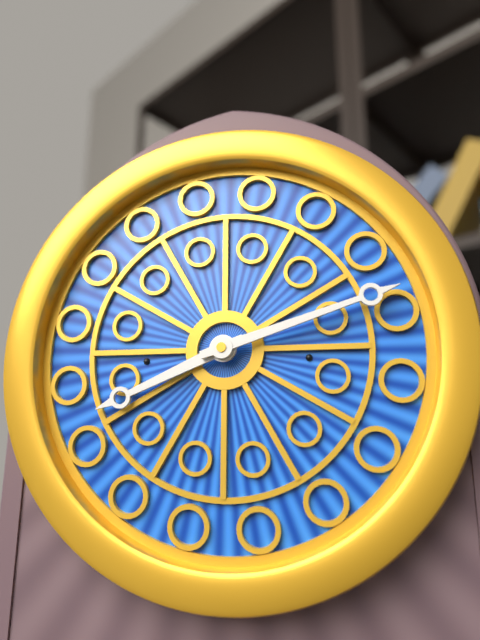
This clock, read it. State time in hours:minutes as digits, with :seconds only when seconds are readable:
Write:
8:12
